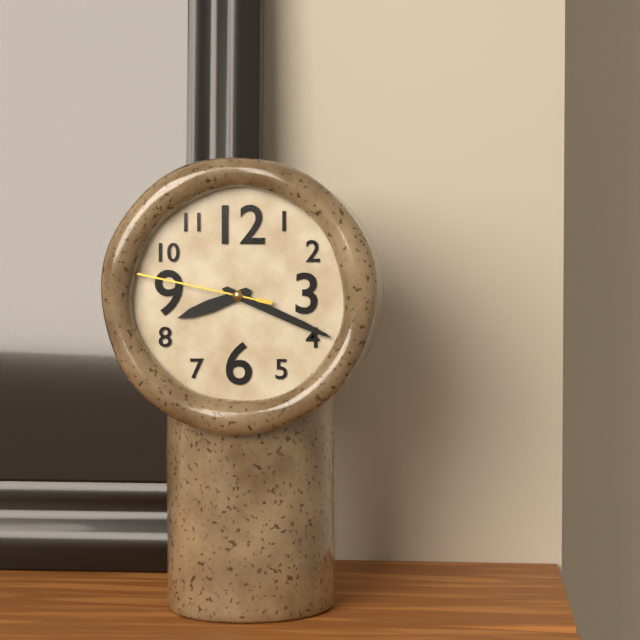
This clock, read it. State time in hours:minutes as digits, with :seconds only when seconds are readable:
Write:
8:19:47
